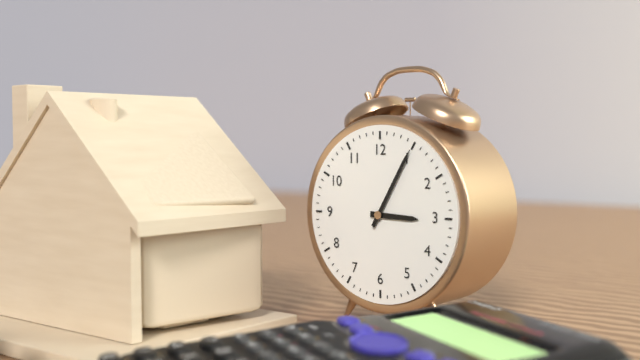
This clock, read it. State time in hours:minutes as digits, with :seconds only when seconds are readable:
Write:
3:05
